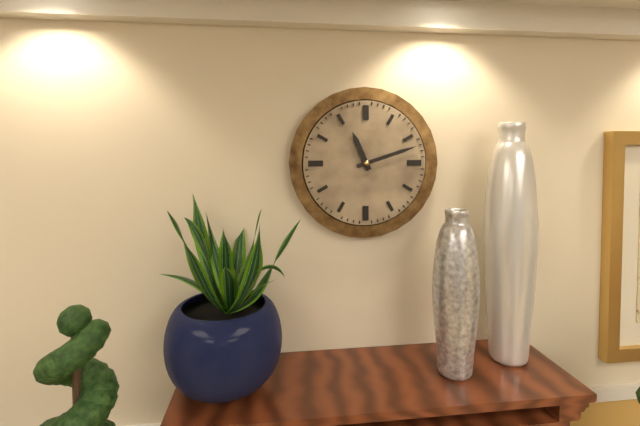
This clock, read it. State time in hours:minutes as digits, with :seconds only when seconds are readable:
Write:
11:12
